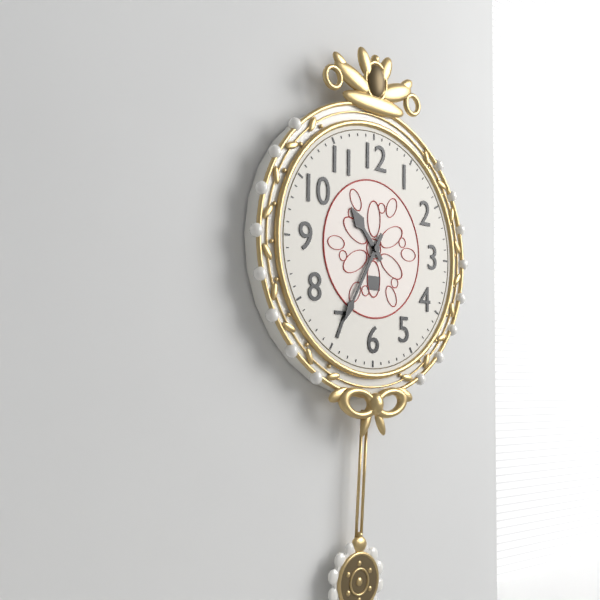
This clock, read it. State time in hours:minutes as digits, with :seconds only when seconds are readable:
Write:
10:35
